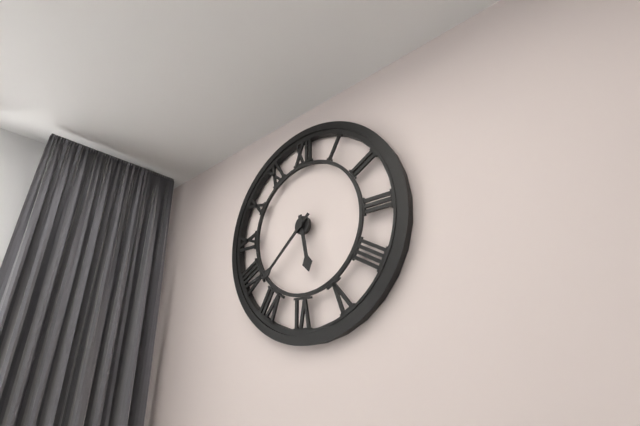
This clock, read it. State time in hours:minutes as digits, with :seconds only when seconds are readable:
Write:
5:38
